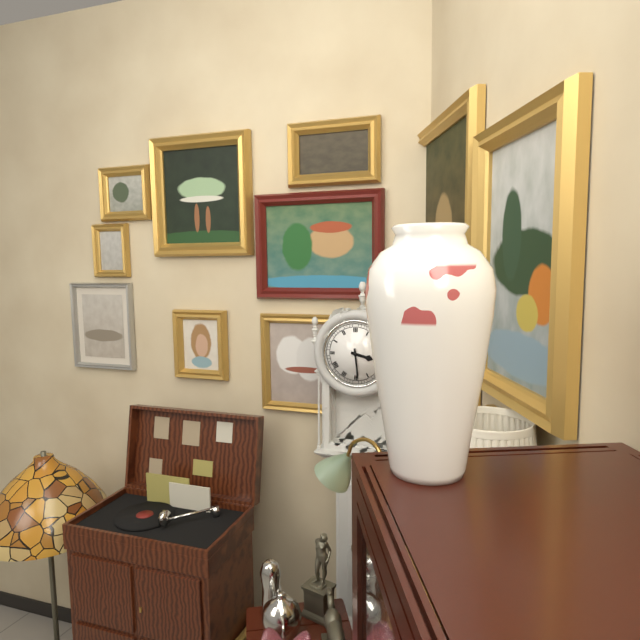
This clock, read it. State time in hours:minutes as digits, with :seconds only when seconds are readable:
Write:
3:29
